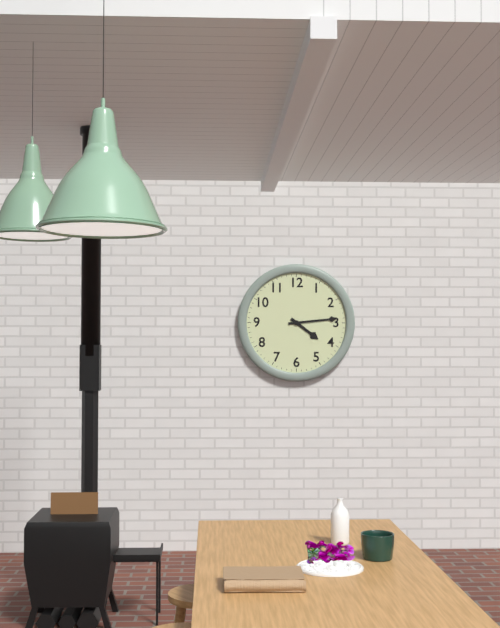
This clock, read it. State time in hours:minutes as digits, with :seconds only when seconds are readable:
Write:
4:14
